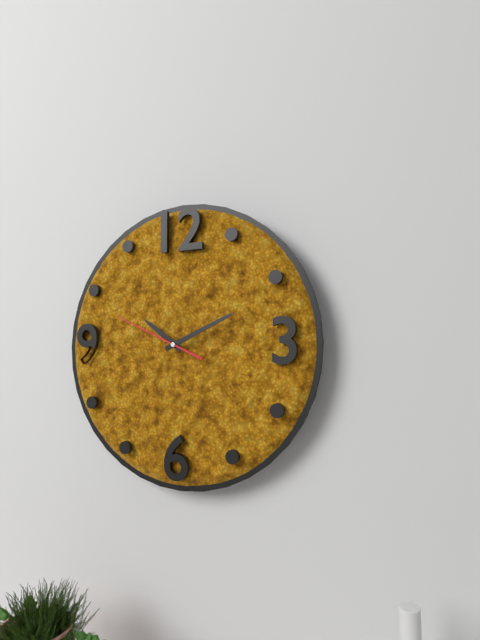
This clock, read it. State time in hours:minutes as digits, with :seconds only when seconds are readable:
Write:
10:11:49
